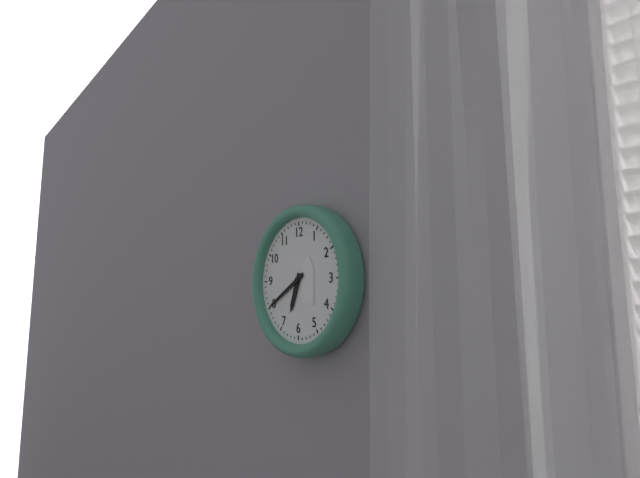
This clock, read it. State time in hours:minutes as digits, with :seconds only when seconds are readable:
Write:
6:40
